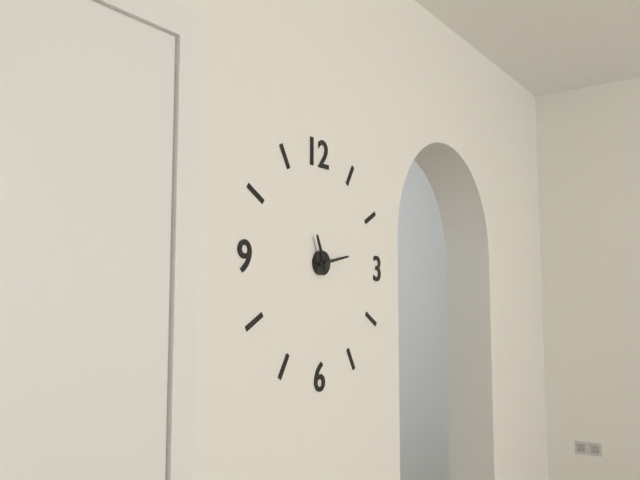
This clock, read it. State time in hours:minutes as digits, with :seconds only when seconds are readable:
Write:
11:13
